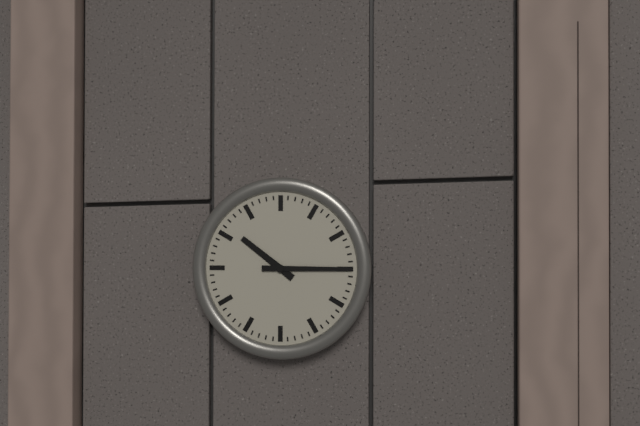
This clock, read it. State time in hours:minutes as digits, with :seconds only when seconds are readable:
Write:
10:15
